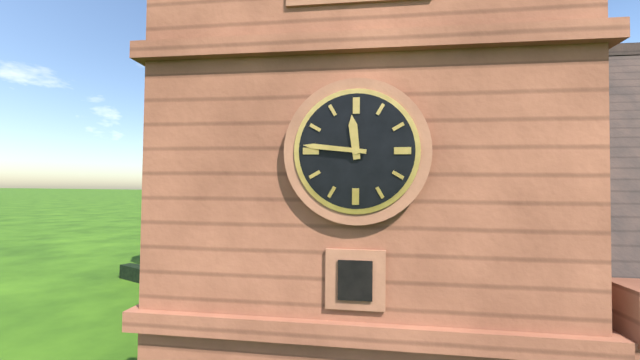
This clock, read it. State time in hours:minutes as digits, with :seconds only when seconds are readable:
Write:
11:46
